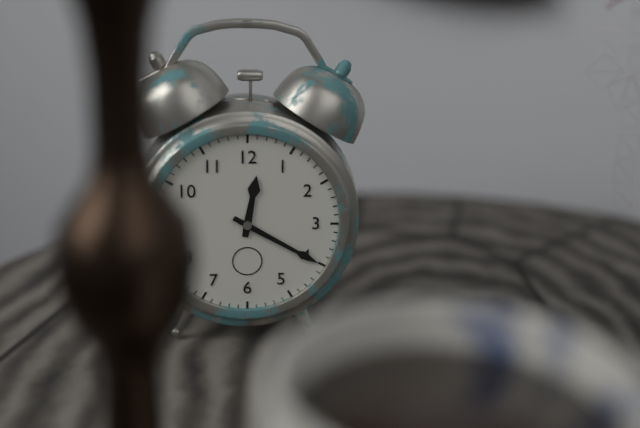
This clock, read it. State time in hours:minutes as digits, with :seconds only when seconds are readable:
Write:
12:20
